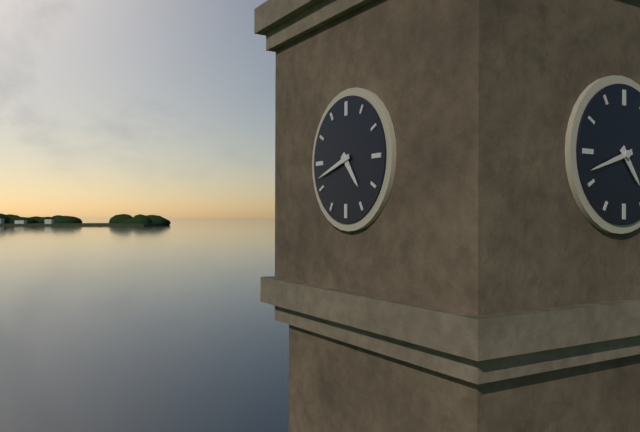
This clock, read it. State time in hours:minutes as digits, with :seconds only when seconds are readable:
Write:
4:42
